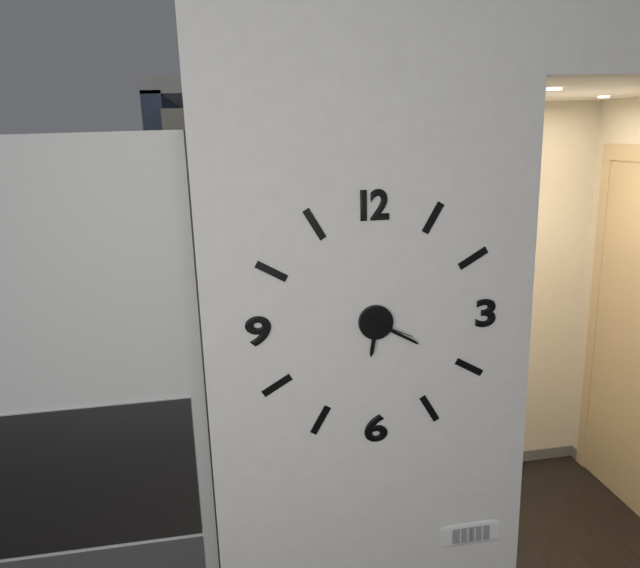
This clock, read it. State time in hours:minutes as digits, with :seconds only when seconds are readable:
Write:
6:20:19
